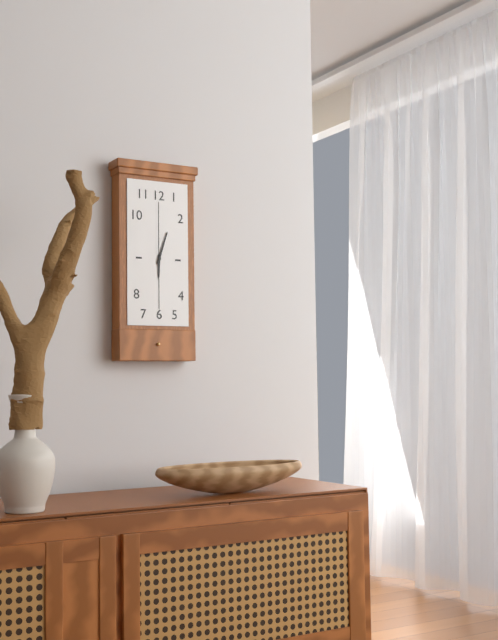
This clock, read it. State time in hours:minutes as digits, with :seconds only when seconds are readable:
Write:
6:03
